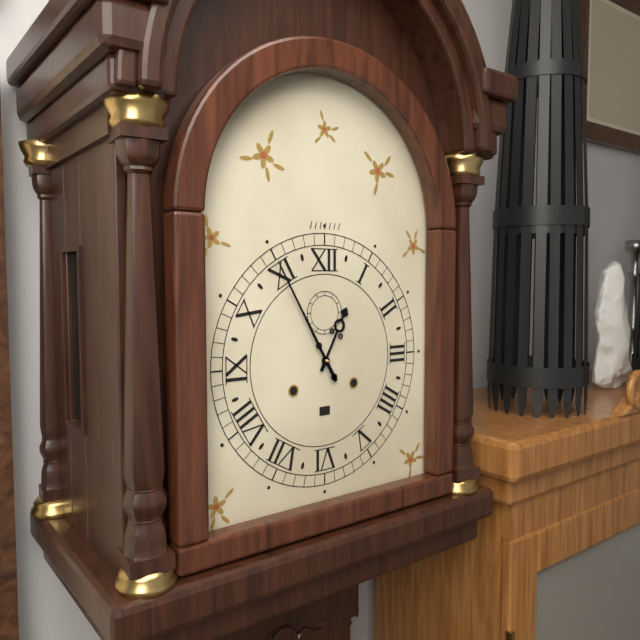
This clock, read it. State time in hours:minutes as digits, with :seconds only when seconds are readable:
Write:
12:55
